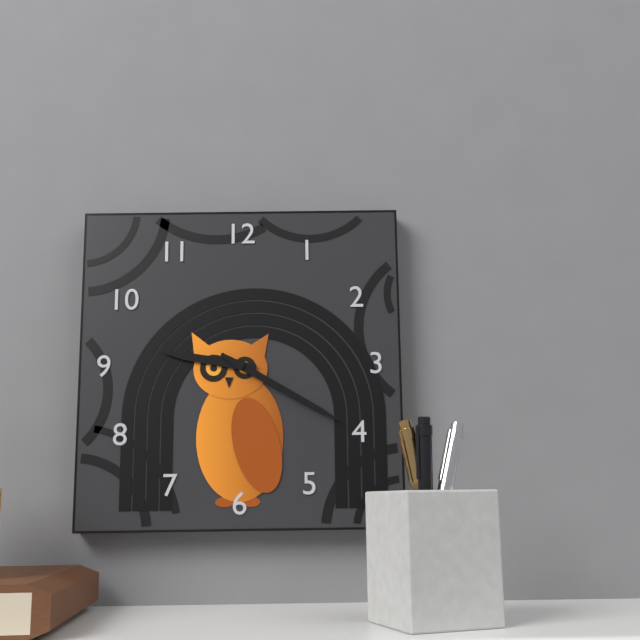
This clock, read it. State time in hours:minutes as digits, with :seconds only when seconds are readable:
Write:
9:20
